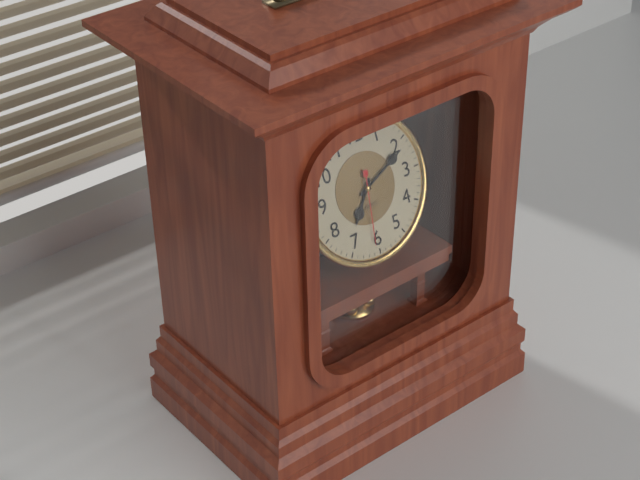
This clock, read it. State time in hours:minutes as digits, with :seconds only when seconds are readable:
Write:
7:11:31
